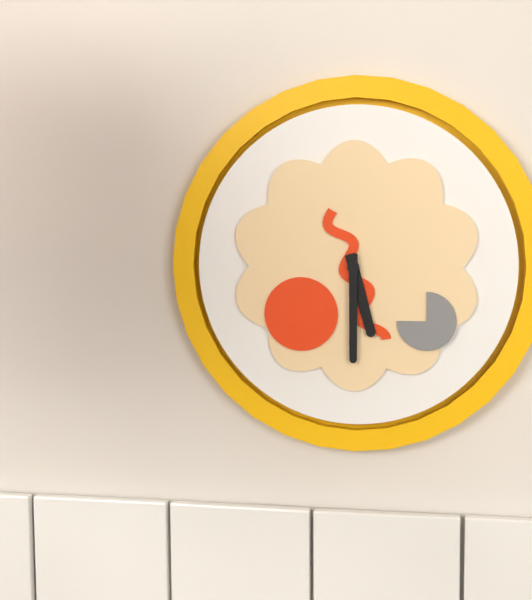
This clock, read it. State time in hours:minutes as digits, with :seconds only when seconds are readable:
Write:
5:30
